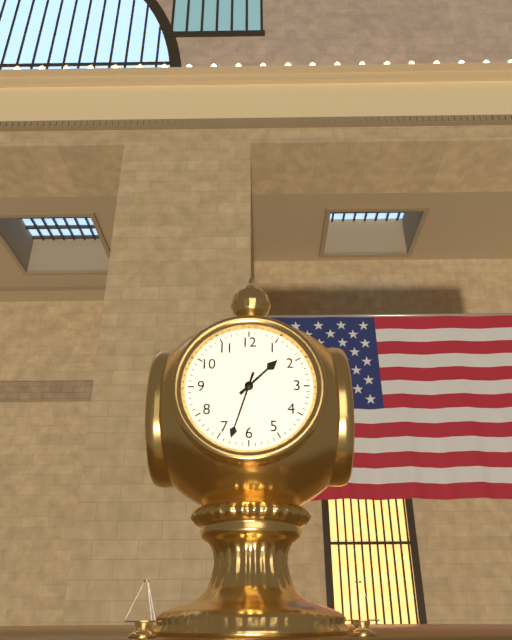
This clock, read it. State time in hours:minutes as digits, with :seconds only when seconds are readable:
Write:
1:33
